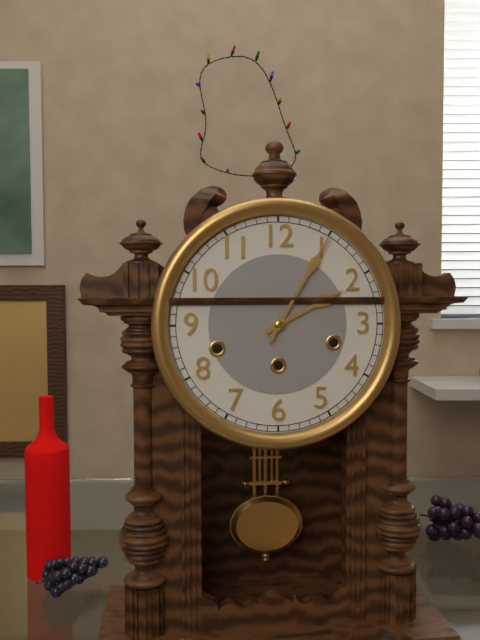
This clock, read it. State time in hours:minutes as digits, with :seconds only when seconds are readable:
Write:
2:05
